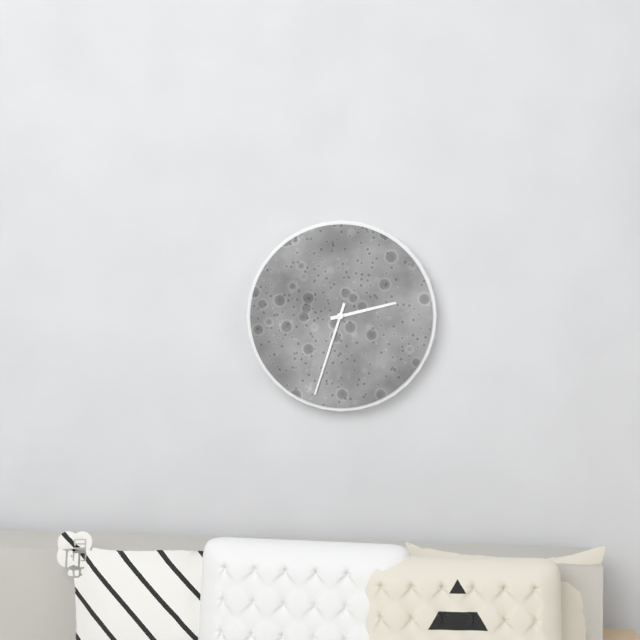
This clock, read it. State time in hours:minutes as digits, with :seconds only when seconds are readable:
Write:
2:33
